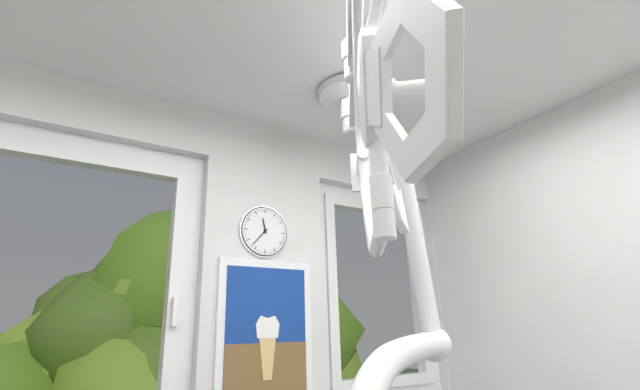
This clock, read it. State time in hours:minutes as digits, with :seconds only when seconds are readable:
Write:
11:37
